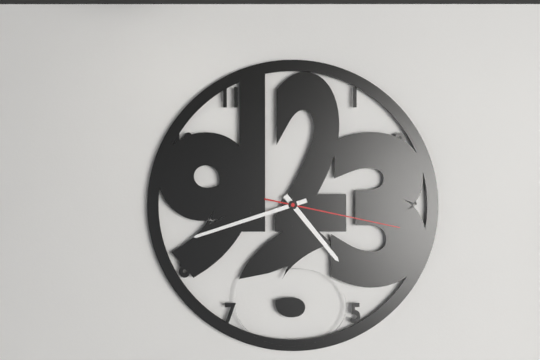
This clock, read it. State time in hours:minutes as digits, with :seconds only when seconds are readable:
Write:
4:42:17
